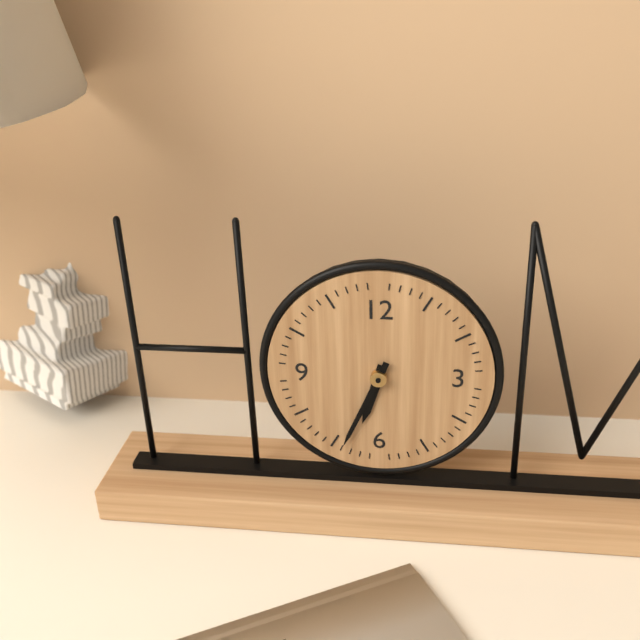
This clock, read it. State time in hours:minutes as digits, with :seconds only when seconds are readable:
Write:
6:34
